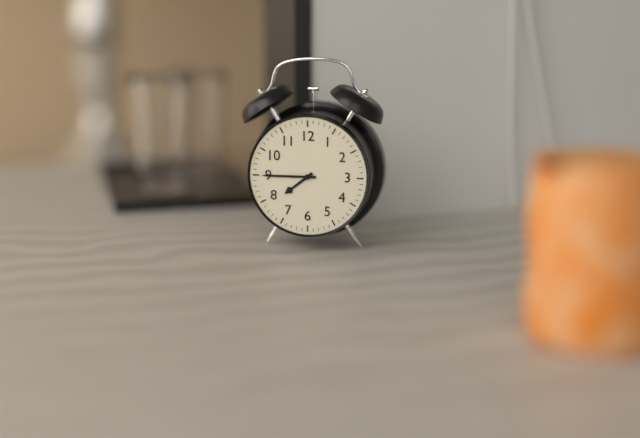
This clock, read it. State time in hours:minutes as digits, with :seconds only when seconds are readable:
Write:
7:45
